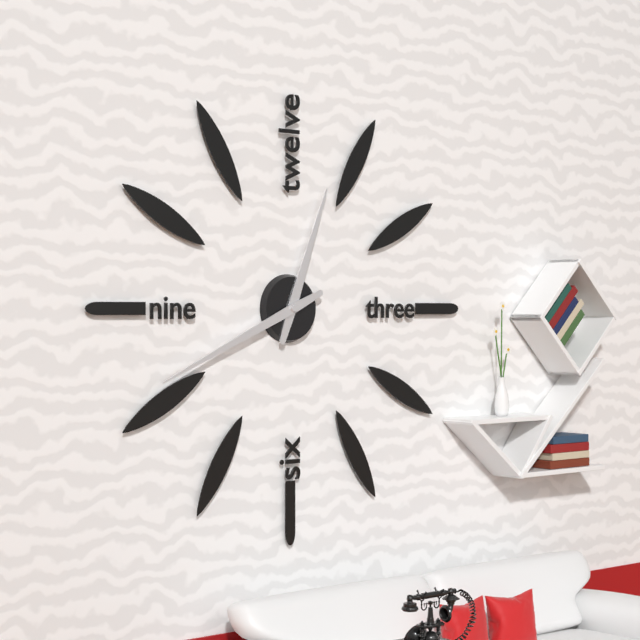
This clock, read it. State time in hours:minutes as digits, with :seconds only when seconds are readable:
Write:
12:41
